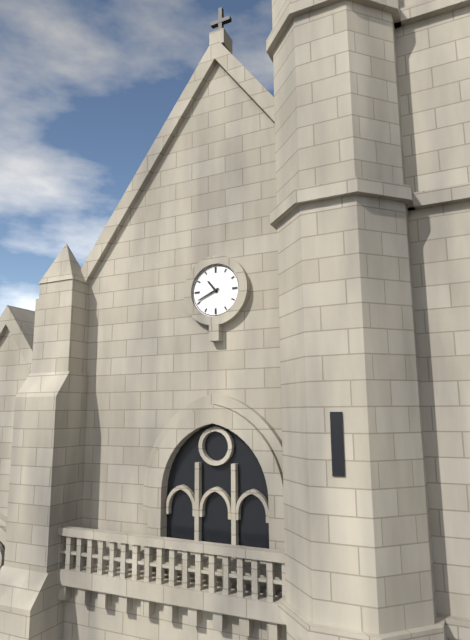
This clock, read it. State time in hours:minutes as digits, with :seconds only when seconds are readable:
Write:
10:41
